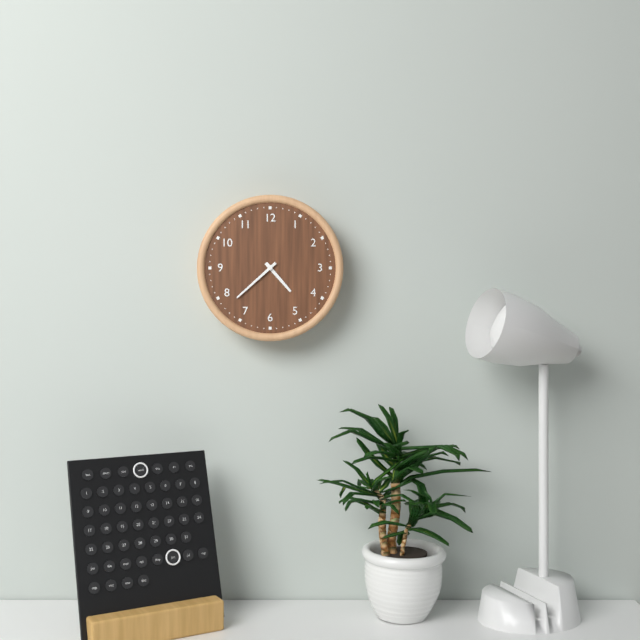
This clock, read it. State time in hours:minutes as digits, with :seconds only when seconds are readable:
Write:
4:38
